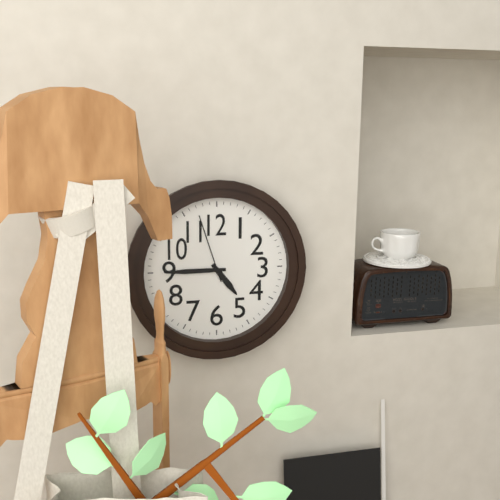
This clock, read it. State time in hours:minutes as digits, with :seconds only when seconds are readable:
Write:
4:45:57
